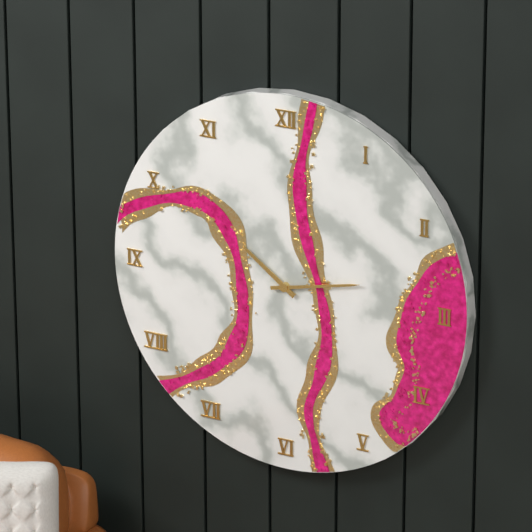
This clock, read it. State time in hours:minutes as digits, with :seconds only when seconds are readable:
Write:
10:13
